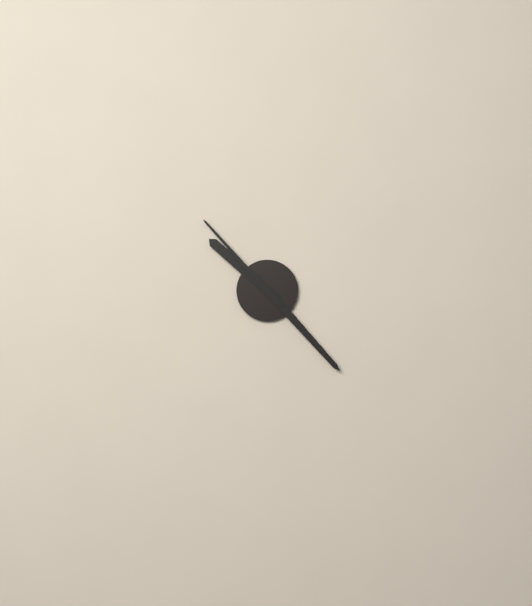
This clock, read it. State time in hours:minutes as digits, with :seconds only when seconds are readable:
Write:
10:23:53
